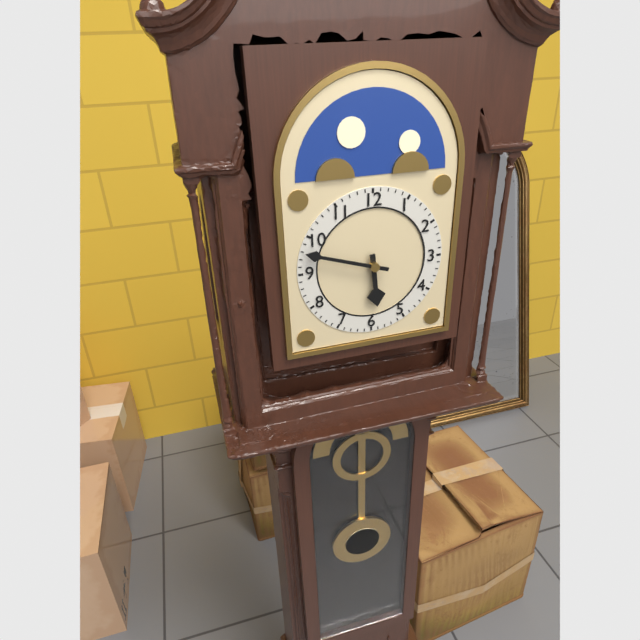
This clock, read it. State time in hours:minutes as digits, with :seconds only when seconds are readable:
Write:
5:48
